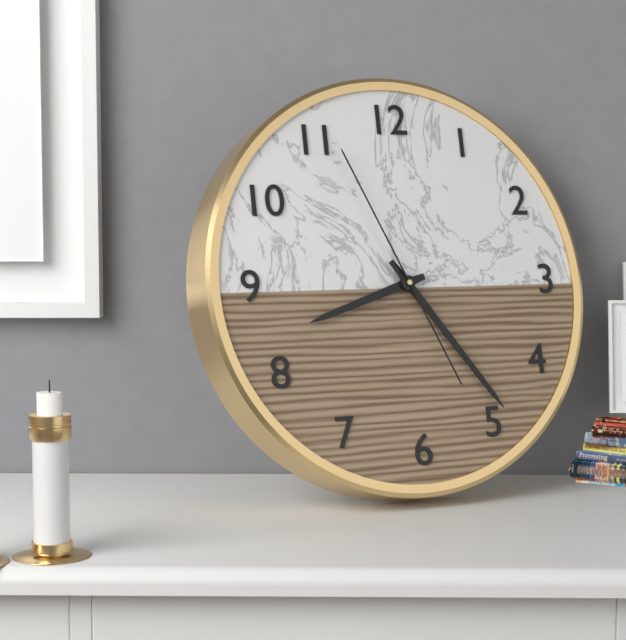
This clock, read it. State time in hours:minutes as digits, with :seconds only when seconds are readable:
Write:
8:24:56
